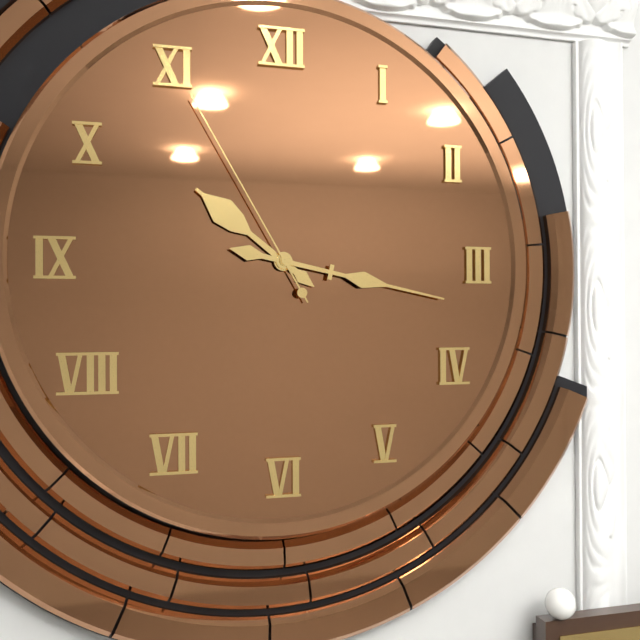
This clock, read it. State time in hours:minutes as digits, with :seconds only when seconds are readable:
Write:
10:17:55
